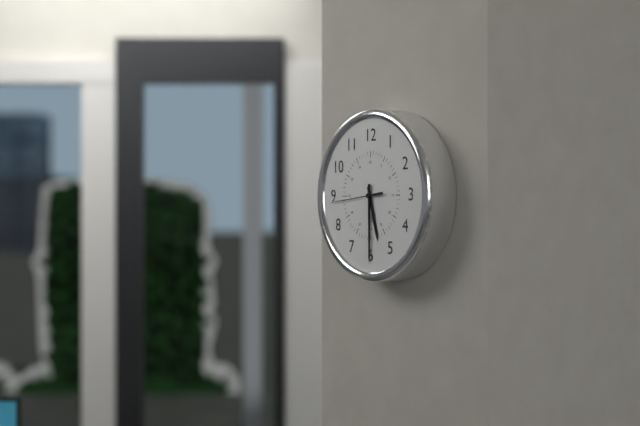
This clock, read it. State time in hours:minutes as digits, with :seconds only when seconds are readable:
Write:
5:30
